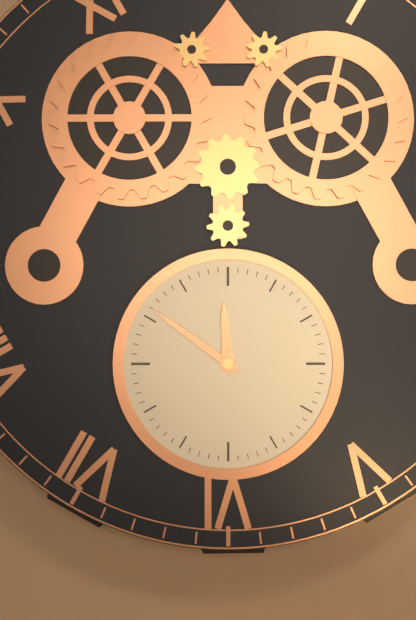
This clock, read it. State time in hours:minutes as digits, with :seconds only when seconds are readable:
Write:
11:51
